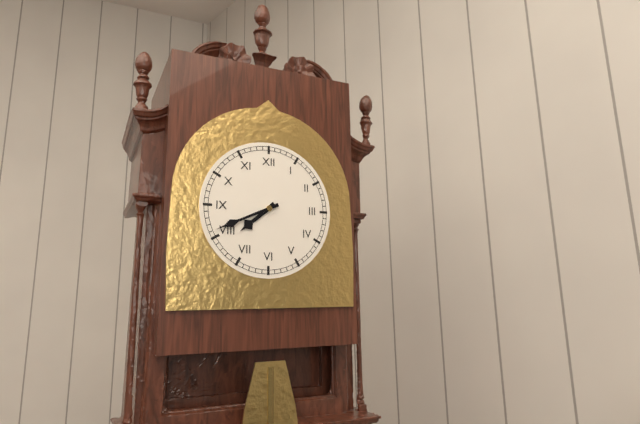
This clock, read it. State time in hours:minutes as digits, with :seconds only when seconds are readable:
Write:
7:41
